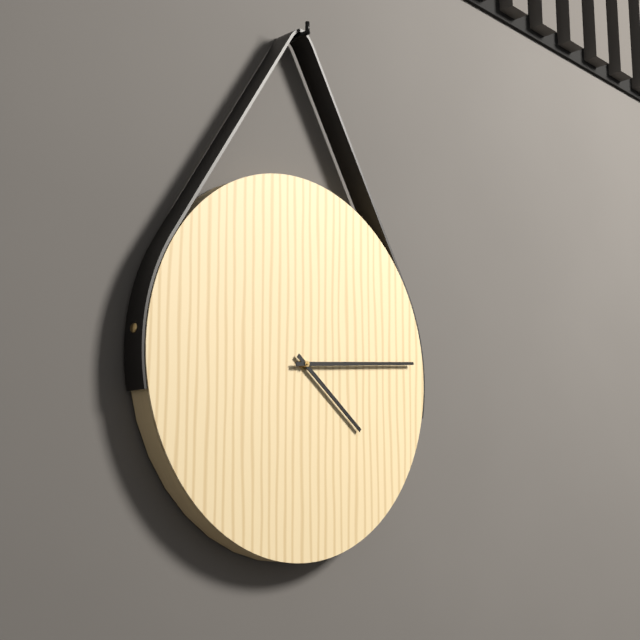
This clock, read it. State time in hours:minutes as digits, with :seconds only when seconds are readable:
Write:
4:14
